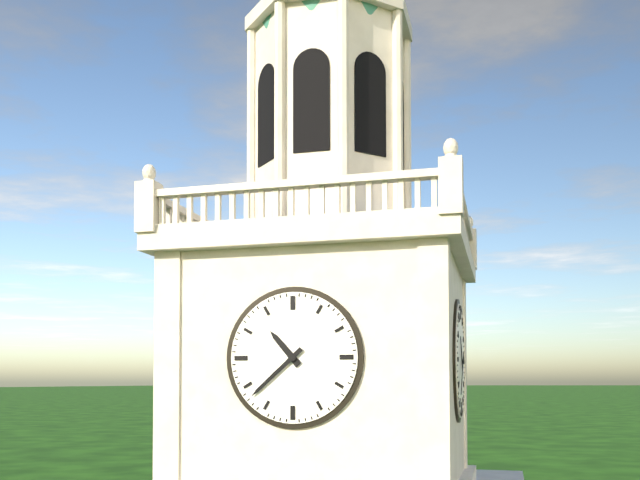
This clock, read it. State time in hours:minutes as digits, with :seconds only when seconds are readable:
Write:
10:38
